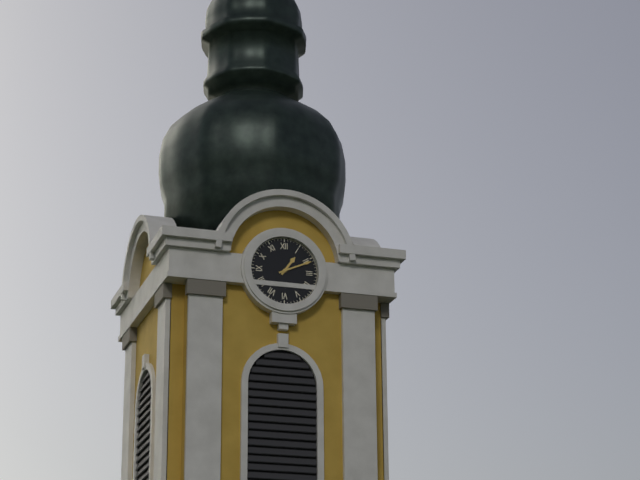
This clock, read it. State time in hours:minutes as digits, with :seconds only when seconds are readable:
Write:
1:11
